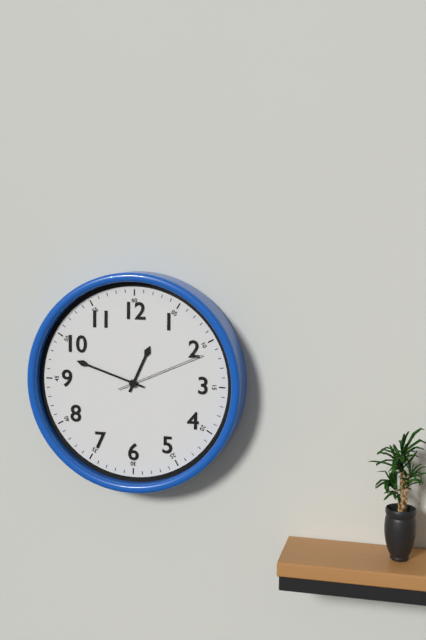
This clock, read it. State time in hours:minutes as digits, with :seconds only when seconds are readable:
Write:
12:48:11
